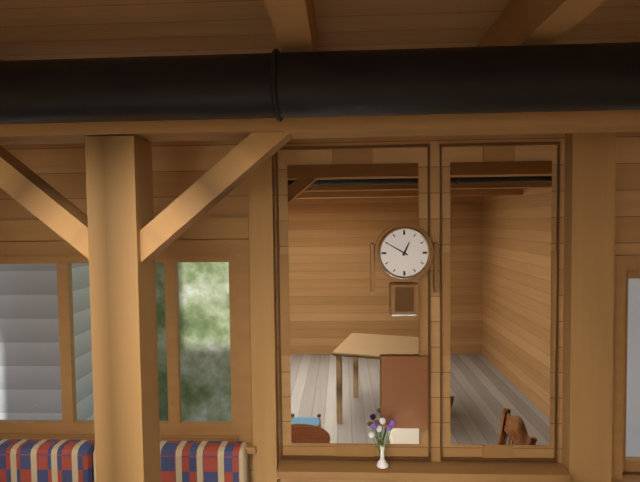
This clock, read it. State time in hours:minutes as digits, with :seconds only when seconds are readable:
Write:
12:50
